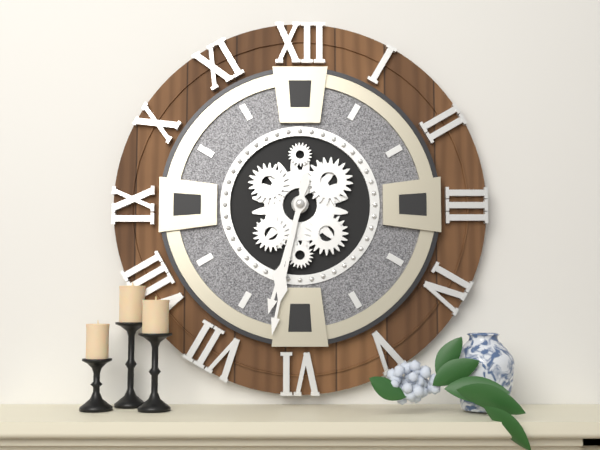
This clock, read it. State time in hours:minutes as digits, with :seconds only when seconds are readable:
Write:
6:32
